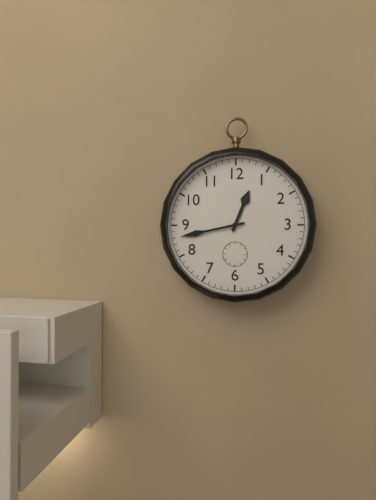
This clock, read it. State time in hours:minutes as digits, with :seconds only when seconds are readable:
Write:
12:43
